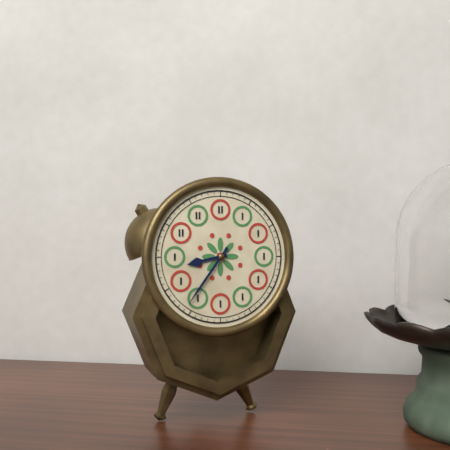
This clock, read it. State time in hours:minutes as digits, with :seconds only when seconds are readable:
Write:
8:36
